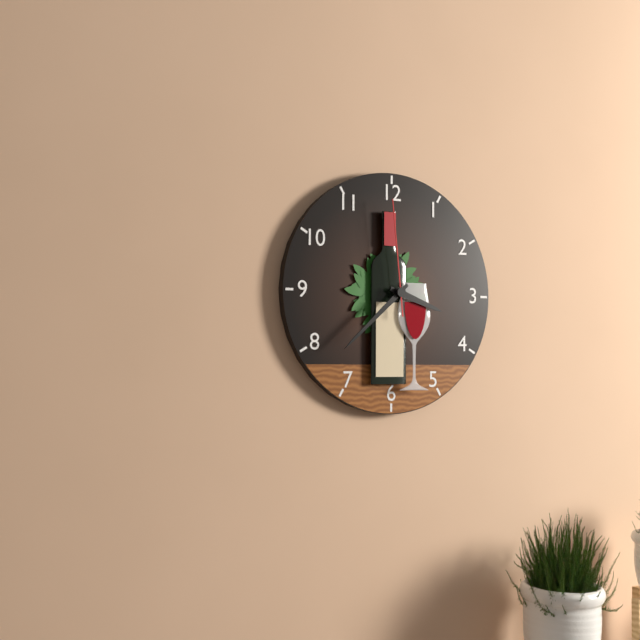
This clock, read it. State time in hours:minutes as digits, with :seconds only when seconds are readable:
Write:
3:38:59
